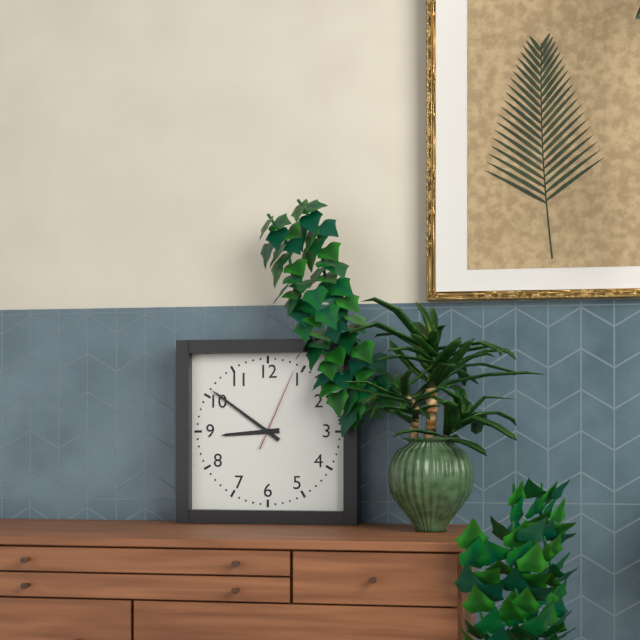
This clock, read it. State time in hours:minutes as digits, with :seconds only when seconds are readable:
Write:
8:51:04
